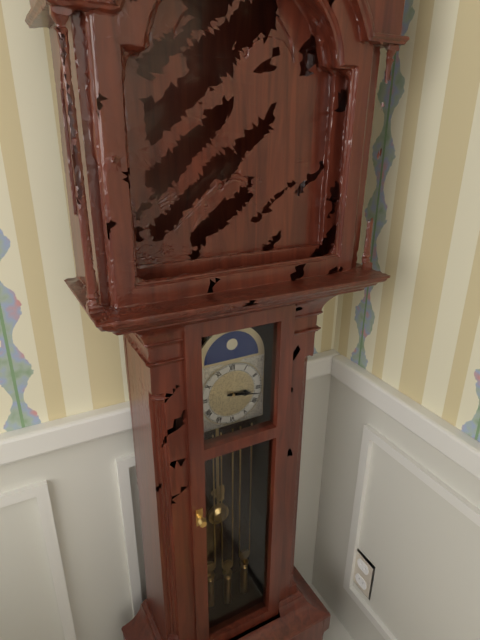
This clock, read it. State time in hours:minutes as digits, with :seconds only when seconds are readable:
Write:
3:17
